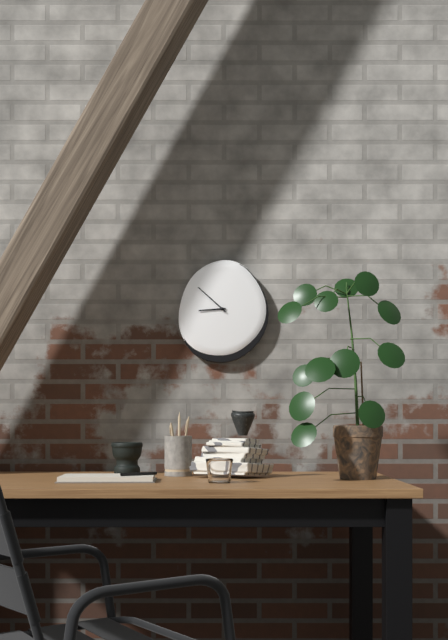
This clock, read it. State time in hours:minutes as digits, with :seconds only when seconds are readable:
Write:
8:52
